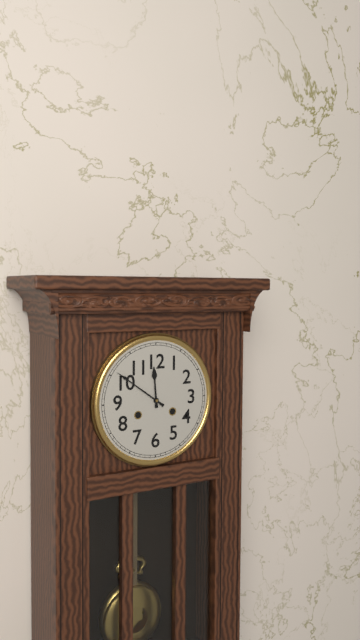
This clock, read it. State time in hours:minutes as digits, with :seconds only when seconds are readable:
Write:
11:51
